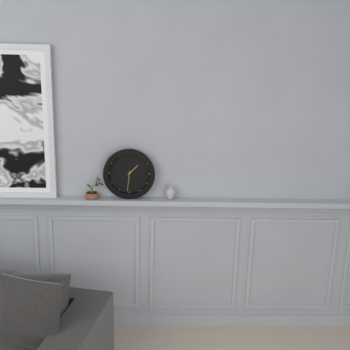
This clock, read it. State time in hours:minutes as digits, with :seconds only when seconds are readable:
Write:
1:31
